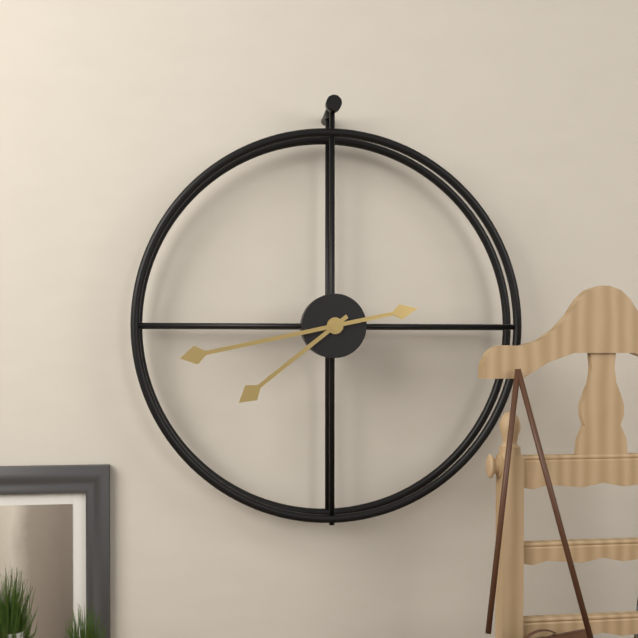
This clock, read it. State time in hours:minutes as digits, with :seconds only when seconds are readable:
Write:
7:43
